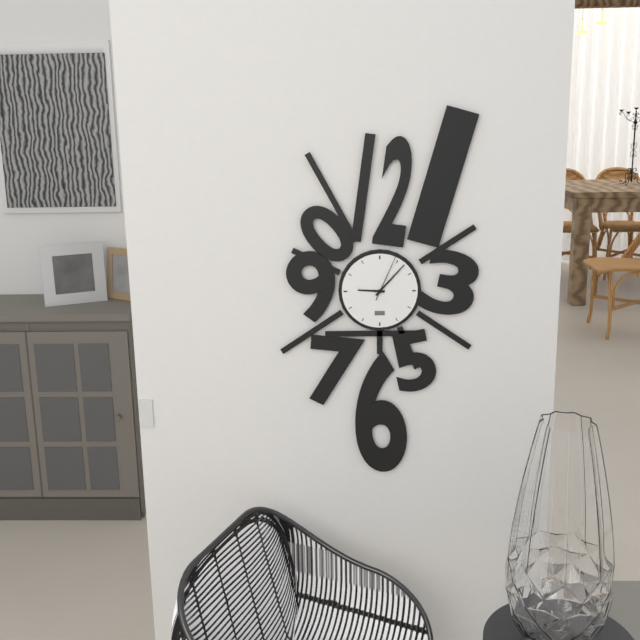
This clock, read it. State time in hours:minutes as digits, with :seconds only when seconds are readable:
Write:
9:07
